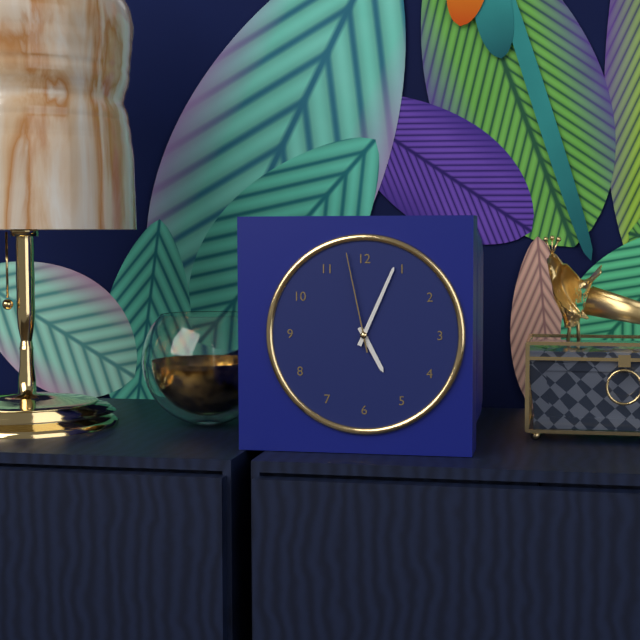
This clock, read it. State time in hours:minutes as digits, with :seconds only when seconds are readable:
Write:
5:04:58
